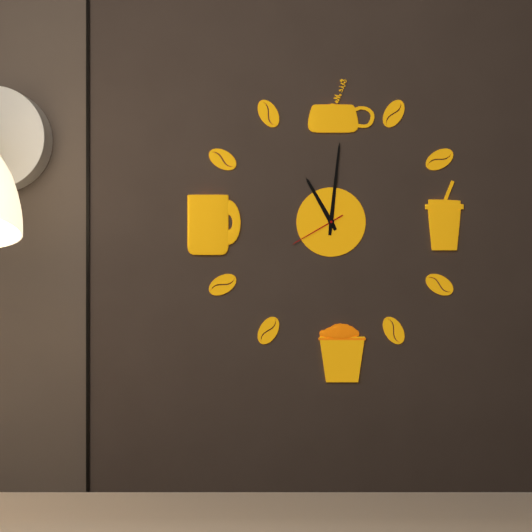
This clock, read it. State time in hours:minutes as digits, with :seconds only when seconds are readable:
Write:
11:01:40
